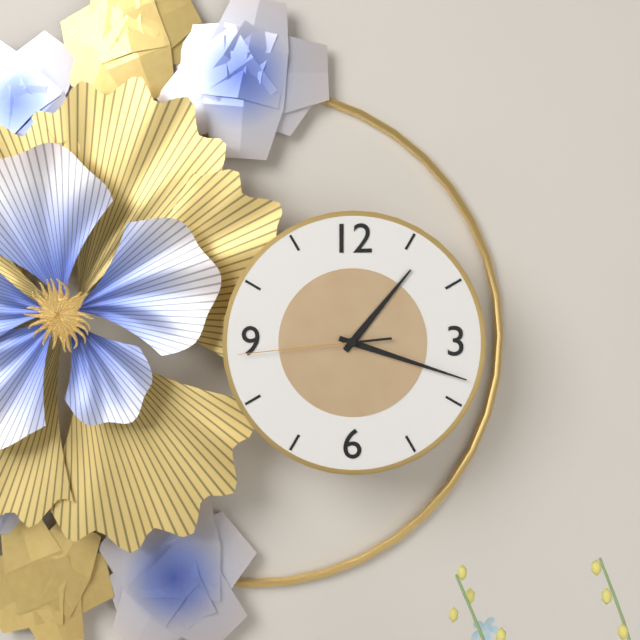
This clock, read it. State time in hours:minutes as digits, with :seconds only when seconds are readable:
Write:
1:18:44
